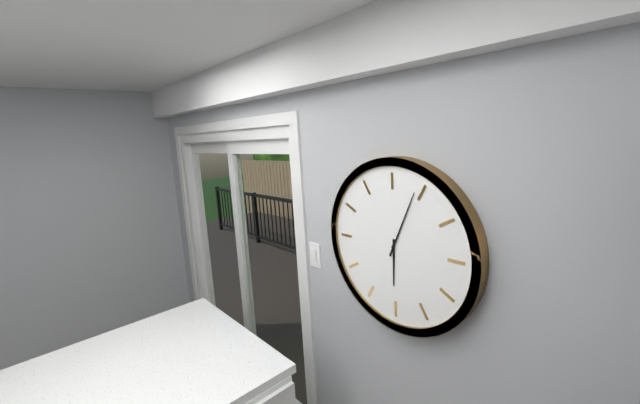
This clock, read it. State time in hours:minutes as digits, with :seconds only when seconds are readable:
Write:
6:04
